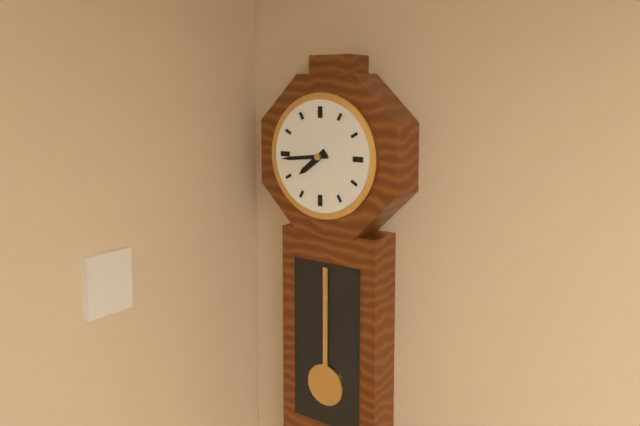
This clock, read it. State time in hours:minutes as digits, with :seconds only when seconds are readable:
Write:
7:44
